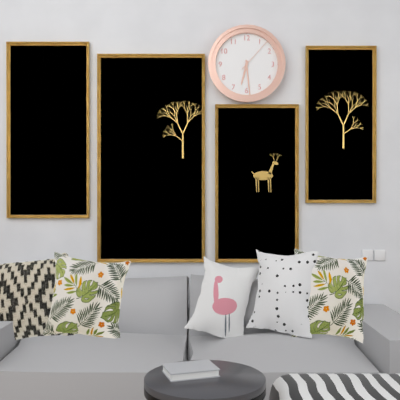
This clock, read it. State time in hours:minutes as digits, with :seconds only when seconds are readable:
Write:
6:29
